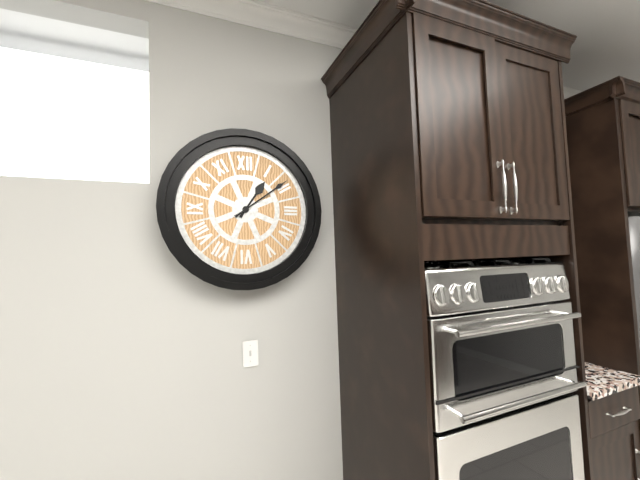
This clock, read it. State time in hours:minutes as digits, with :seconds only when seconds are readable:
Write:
1:09
